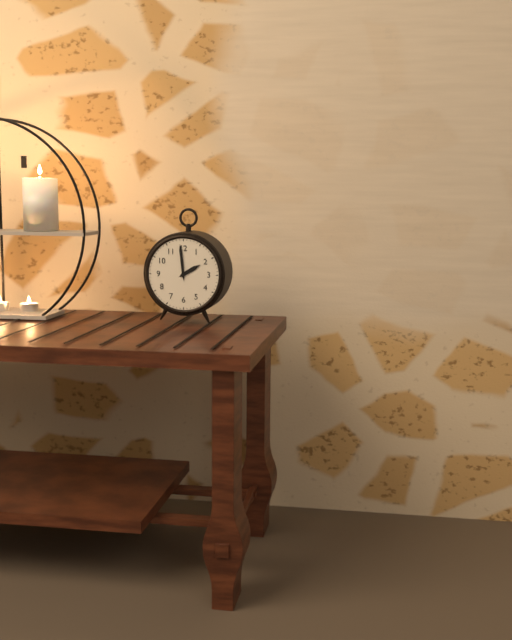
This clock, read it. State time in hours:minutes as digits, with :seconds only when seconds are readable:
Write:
1:59
